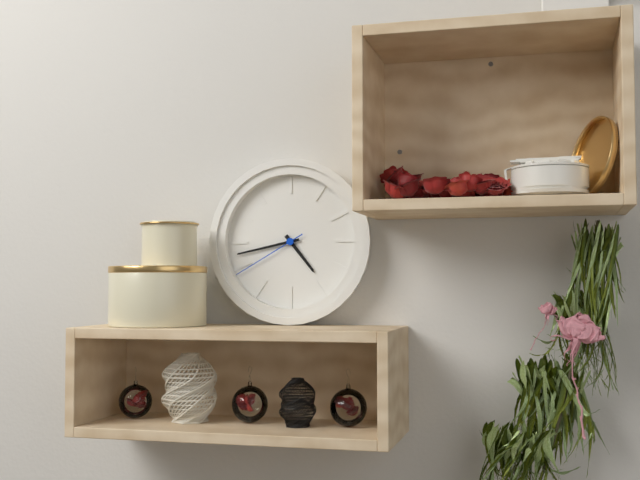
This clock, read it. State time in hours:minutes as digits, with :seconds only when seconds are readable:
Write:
4:43:40
